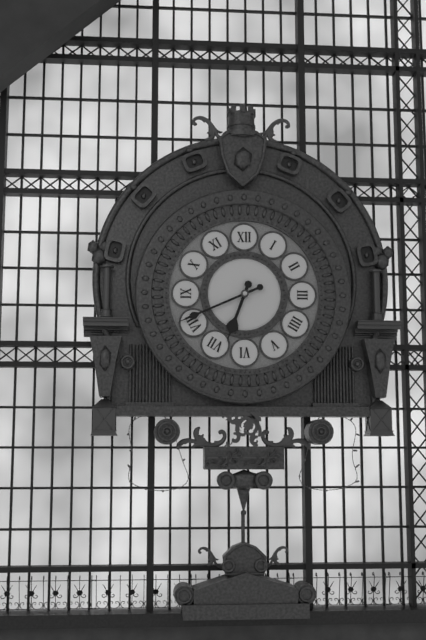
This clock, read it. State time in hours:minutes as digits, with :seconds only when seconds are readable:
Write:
6:41
